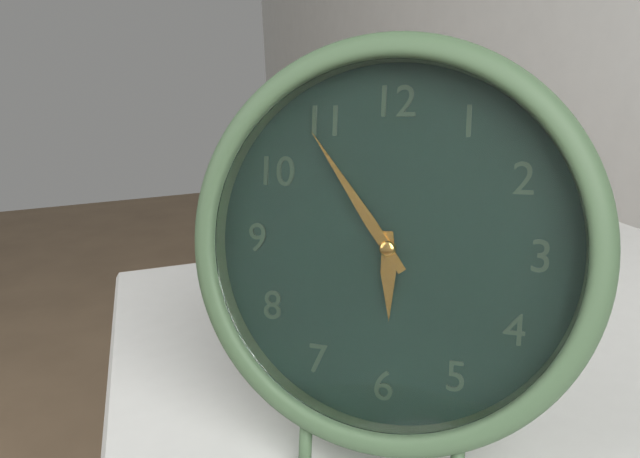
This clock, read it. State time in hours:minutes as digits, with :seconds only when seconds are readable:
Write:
5:54
